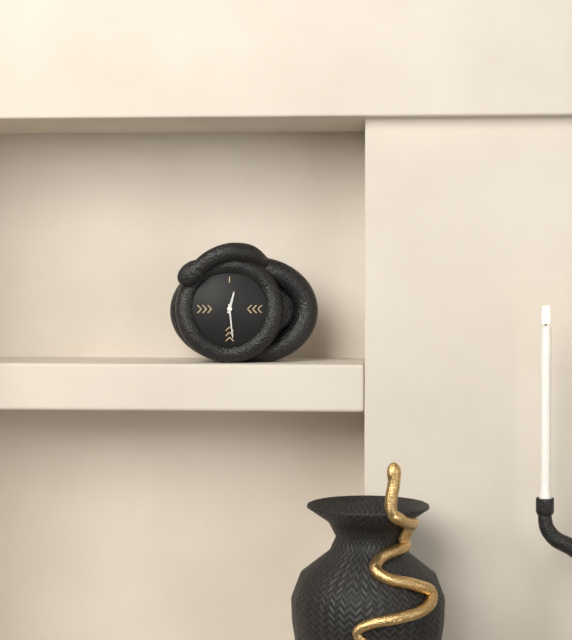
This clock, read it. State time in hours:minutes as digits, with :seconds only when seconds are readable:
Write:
12:29
